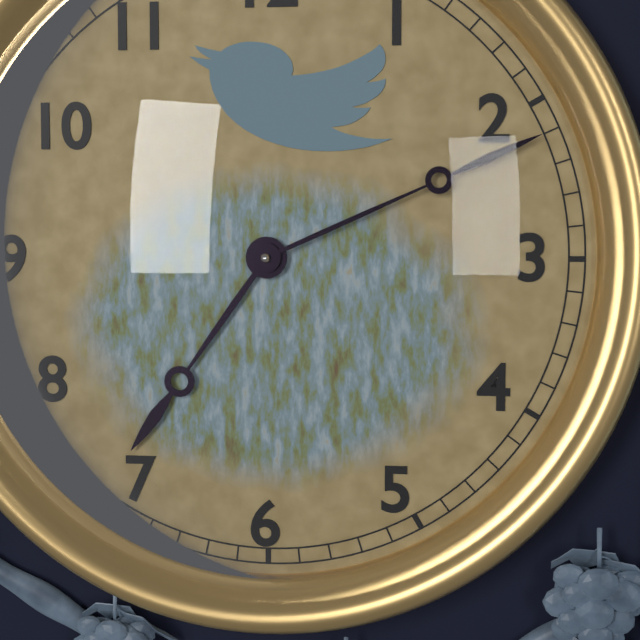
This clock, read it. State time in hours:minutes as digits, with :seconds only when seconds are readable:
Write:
7:11
